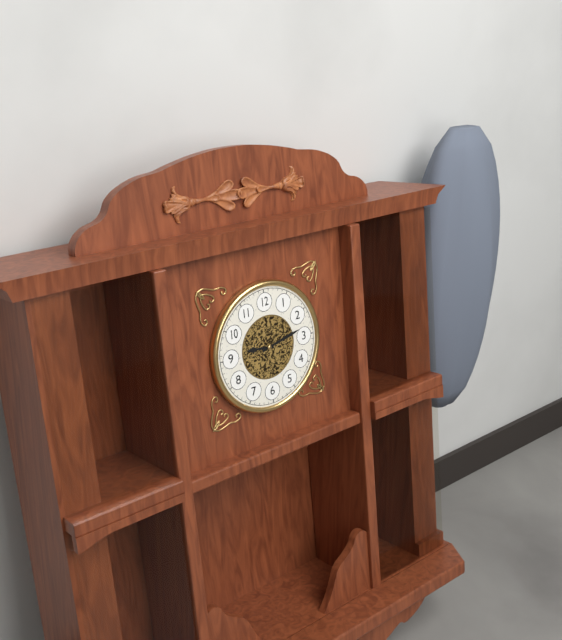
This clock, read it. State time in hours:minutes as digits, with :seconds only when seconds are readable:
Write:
9:13
